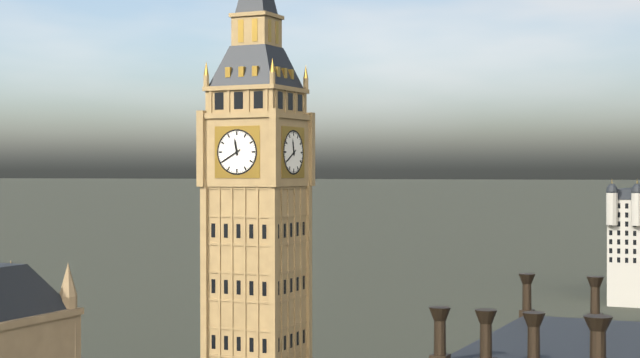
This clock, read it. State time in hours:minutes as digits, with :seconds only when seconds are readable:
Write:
11:40
